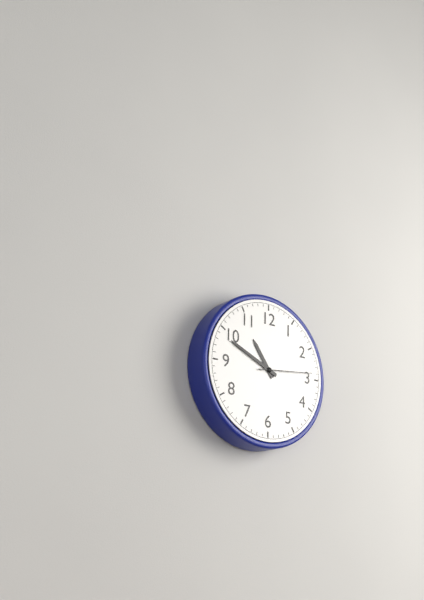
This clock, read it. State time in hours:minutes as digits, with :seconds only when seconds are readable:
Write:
10:49:14
